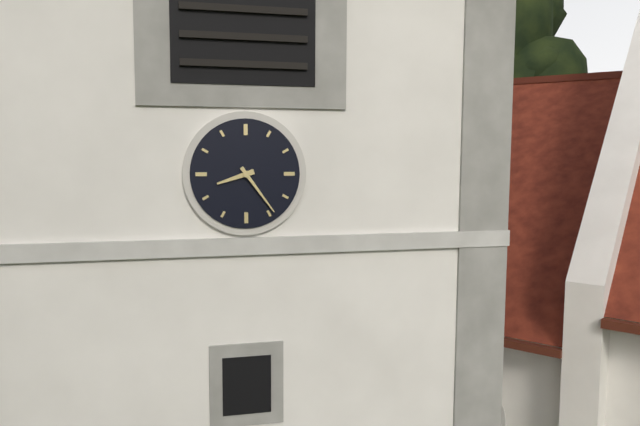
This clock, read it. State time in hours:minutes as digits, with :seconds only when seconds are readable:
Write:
8:24
